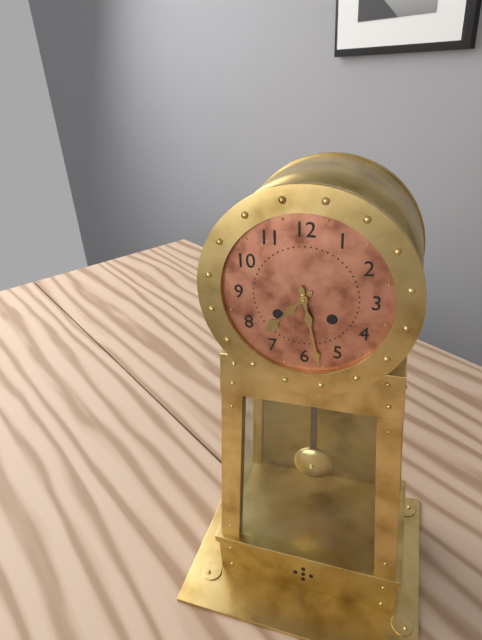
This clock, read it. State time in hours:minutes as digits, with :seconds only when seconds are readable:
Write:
7:28
